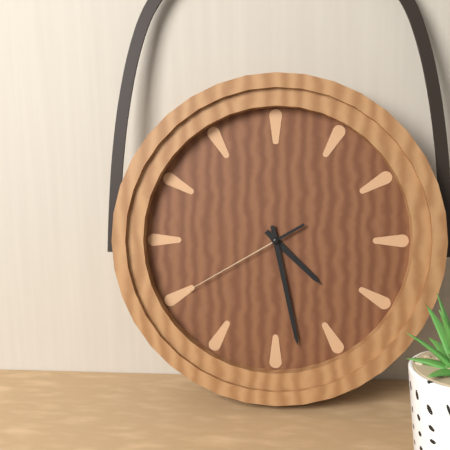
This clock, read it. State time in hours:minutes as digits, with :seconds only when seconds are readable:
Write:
4:28:40
